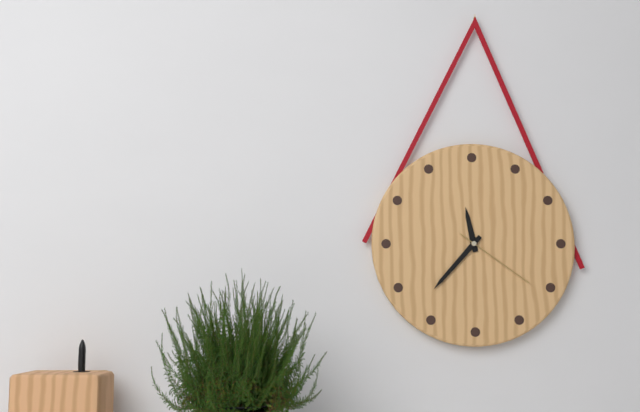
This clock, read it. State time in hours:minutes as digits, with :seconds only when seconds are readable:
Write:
11:37:21
